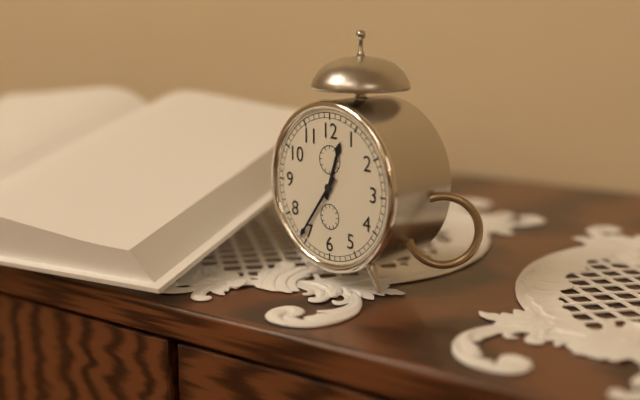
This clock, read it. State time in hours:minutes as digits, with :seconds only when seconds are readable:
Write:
12:36
